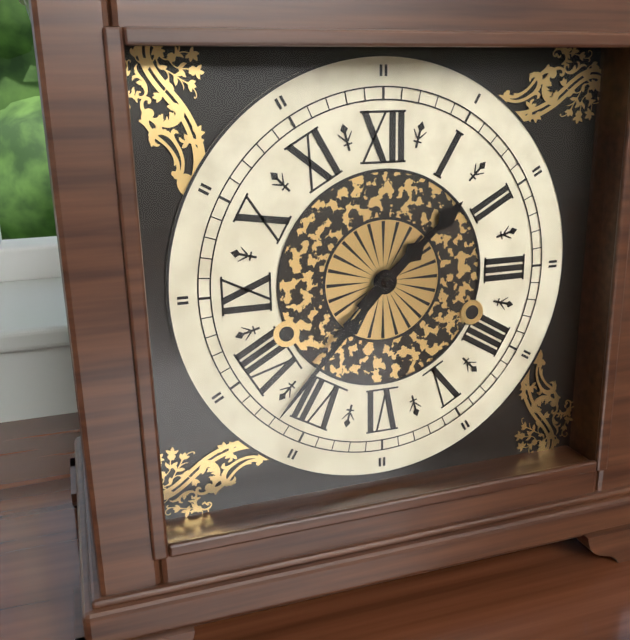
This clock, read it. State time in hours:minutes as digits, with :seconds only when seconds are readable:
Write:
1:37
